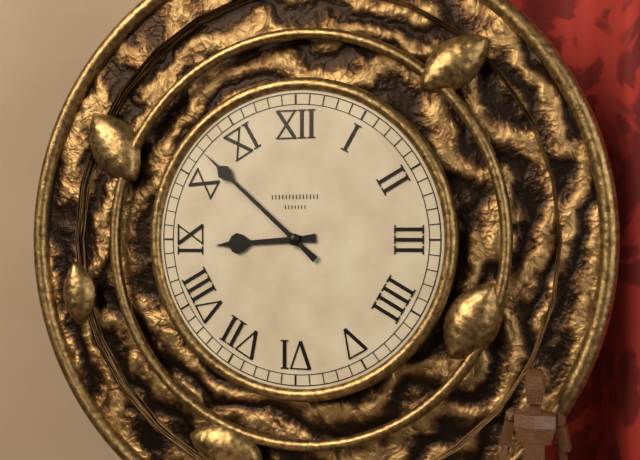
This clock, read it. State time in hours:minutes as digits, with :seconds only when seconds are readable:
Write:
8:52
